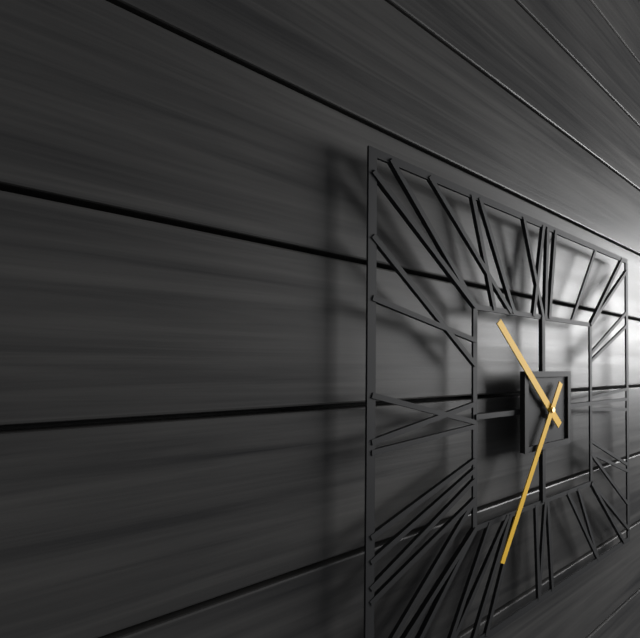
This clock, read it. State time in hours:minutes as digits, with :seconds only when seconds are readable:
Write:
10:35
